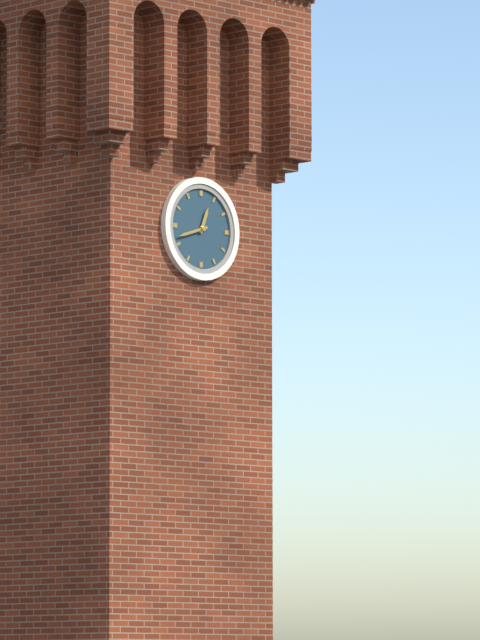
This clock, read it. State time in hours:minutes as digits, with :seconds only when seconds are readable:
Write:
12:42
